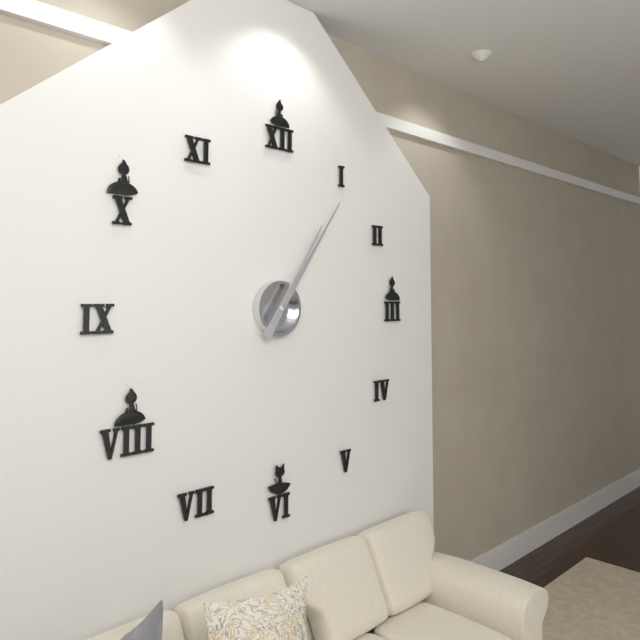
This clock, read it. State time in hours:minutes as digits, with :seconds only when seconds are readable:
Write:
1:06
